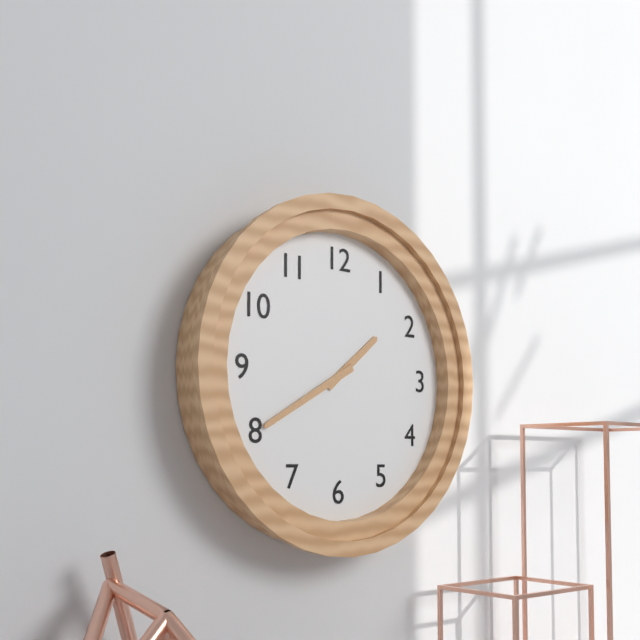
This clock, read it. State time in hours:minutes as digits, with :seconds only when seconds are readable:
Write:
1:40
